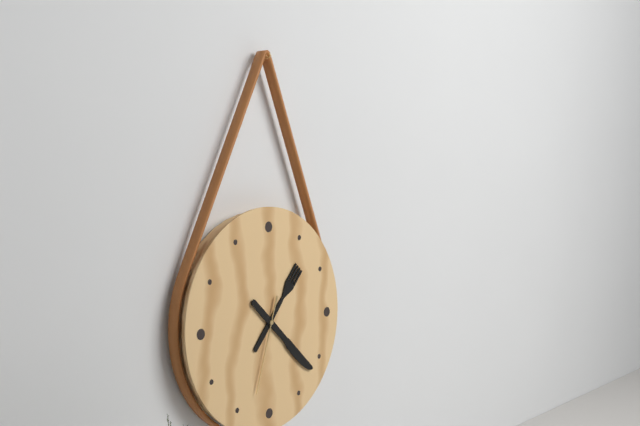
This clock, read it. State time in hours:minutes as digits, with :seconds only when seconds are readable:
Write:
1:22:33
